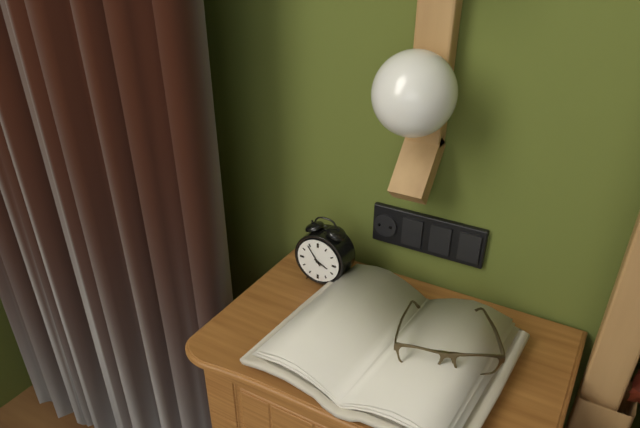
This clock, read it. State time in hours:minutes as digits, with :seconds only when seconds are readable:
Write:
3:54
